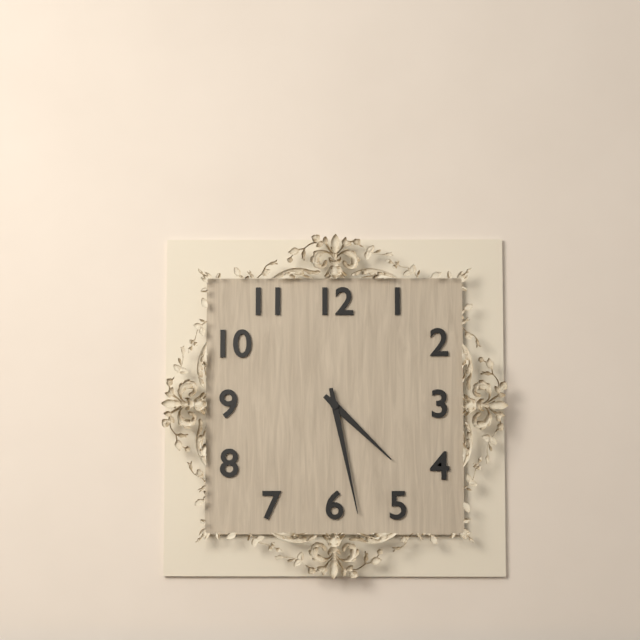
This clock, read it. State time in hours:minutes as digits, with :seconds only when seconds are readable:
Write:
4:28
